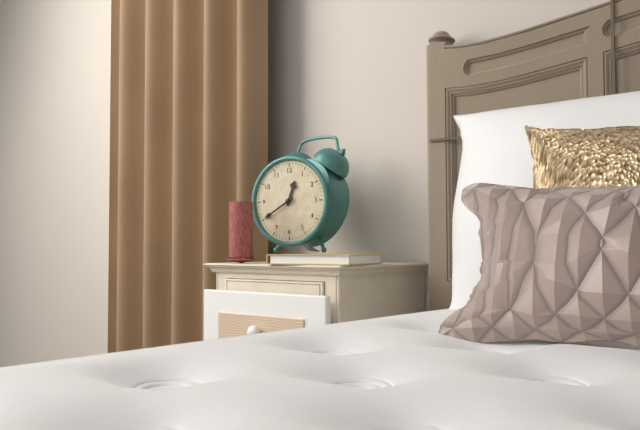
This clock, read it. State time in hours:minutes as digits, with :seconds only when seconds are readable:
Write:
12:40
